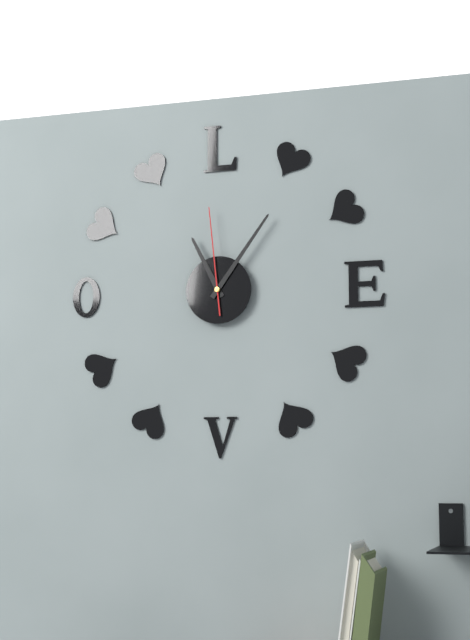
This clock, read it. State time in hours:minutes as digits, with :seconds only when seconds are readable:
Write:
11:06:59
